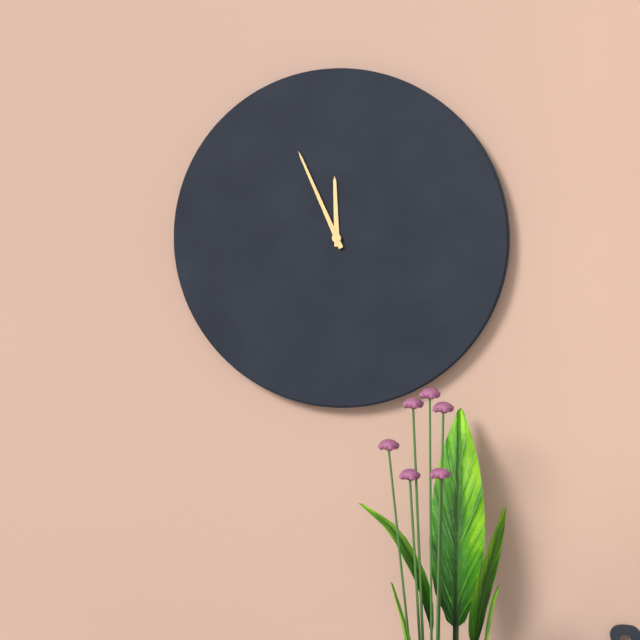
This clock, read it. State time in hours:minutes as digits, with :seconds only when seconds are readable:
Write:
11:56
